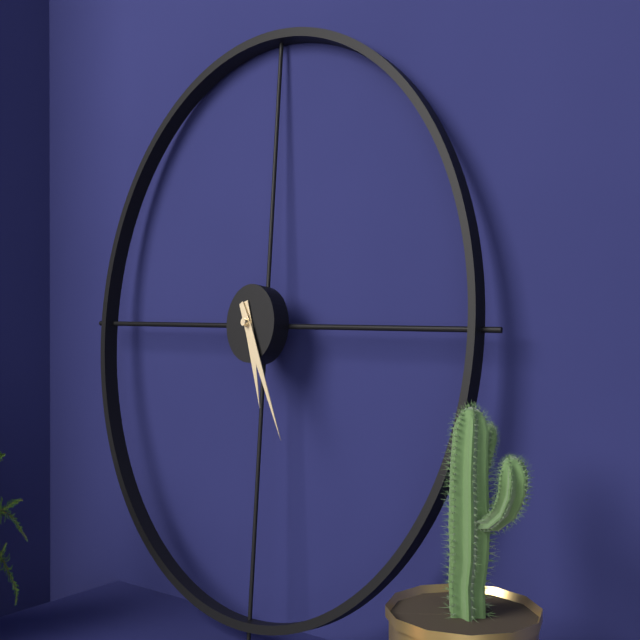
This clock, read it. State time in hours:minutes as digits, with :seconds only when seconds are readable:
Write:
5:25
